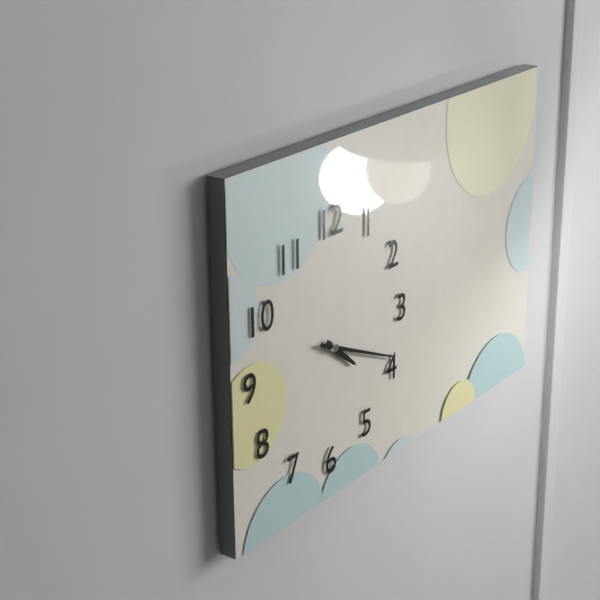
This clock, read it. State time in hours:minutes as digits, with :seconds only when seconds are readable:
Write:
4:19
